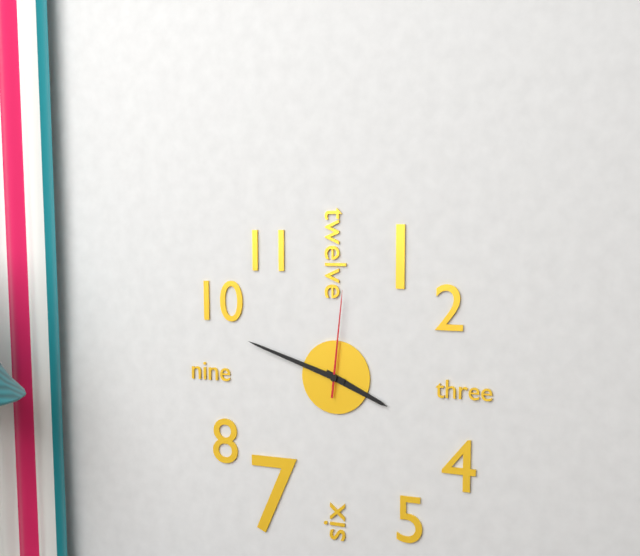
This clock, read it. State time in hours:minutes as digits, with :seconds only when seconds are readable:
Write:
3:48:01
